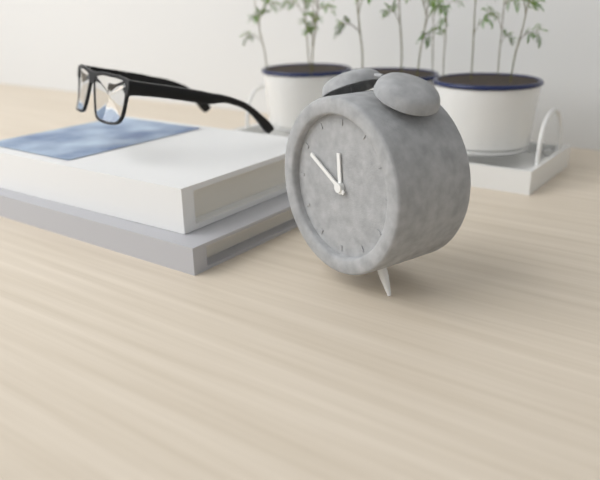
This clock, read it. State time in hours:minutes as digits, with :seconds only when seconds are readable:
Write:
11:50
